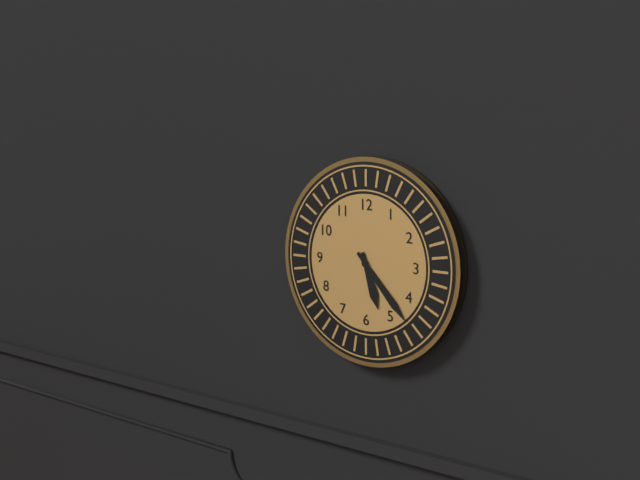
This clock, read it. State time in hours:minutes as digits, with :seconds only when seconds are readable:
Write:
5:23
